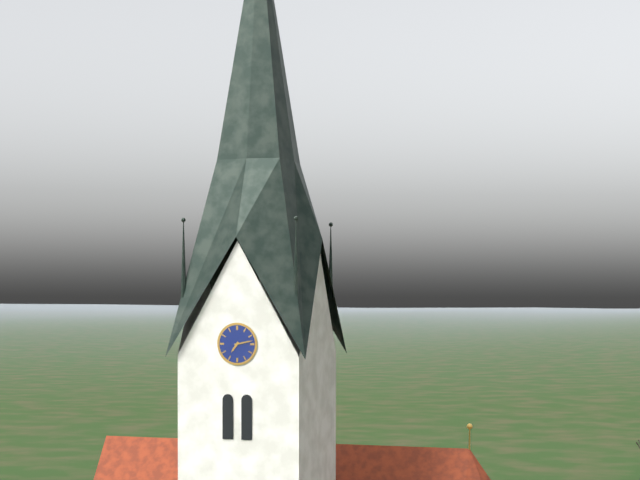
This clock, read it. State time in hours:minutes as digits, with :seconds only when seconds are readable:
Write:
7:13
